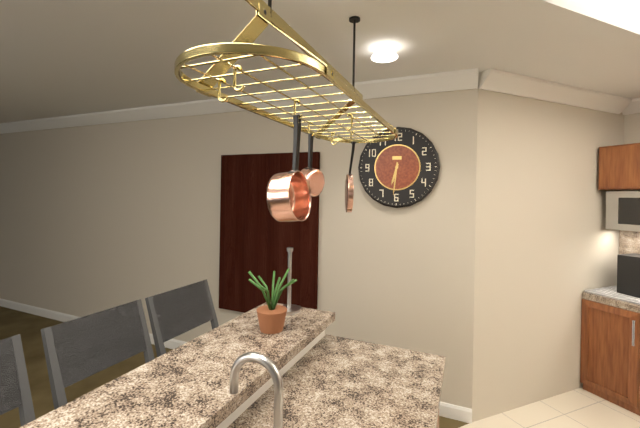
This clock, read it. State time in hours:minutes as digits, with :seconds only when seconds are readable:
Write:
6:31
